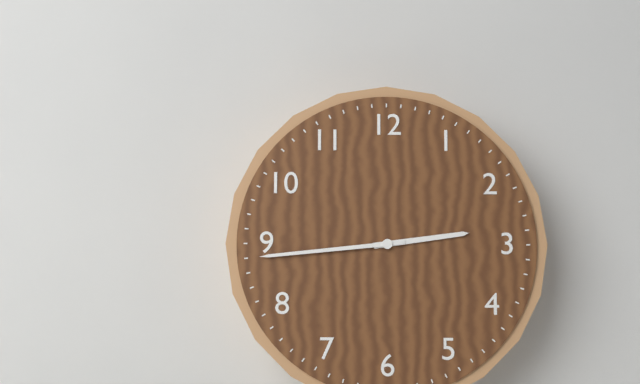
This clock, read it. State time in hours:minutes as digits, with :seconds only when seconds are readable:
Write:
2:44
